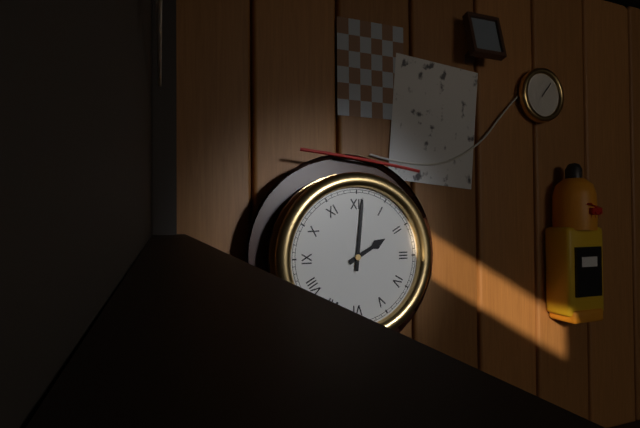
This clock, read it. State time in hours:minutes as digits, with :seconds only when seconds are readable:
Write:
2:01
